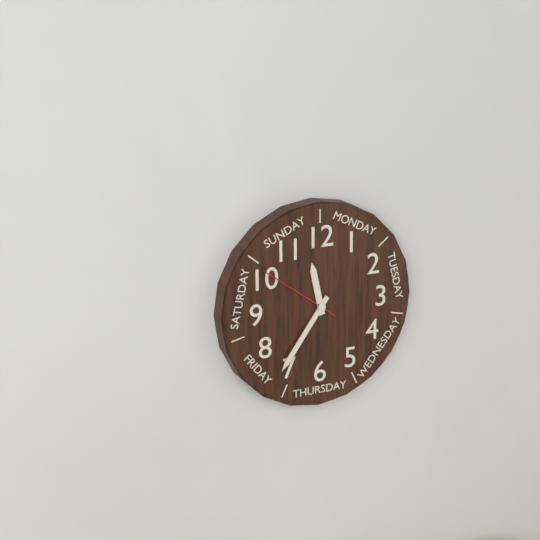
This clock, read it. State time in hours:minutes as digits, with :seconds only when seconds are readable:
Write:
11:36:51
